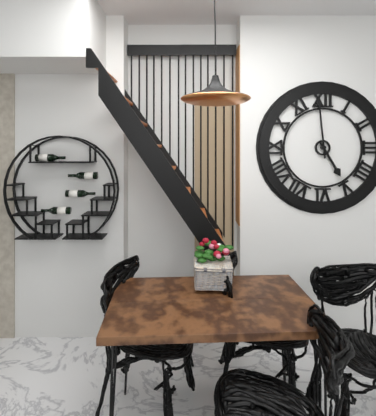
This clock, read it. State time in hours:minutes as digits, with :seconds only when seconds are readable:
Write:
4:59
